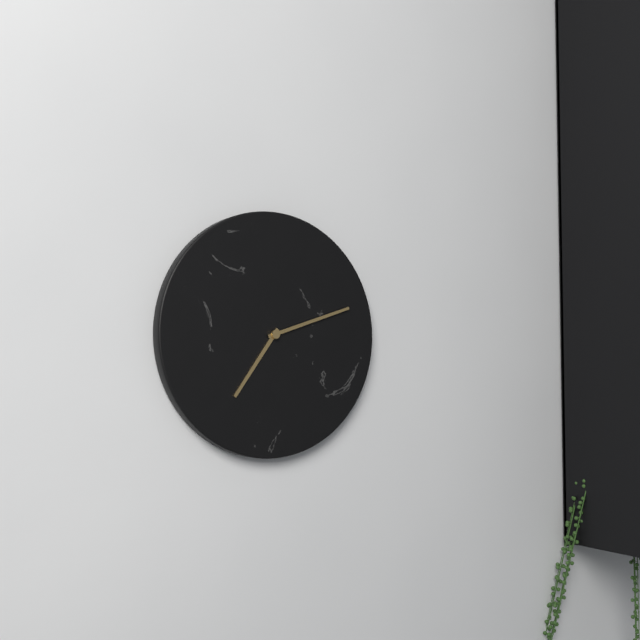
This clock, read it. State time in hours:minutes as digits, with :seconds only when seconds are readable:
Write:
7:12
